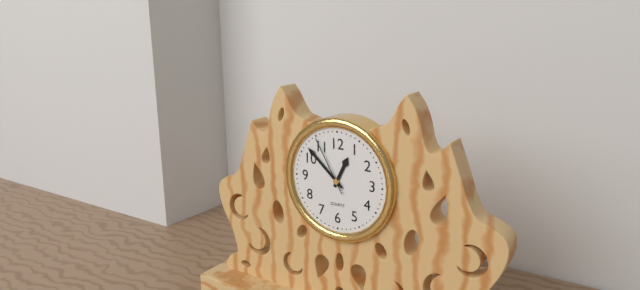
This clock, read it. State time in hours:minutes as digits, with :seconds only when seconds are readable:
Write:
12:52:55
